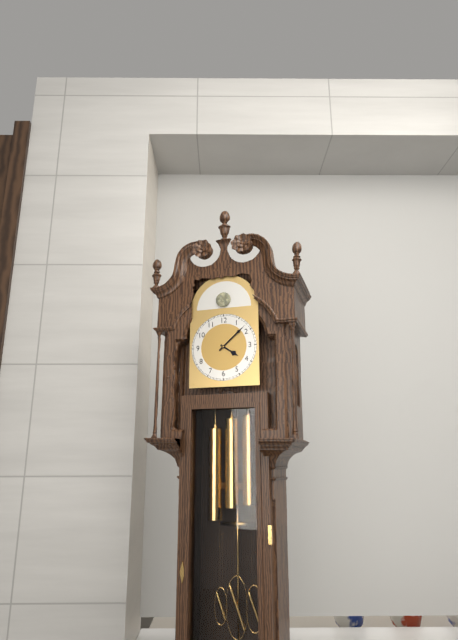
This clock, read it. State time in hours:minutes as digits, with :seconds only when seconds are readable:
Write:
4:08
